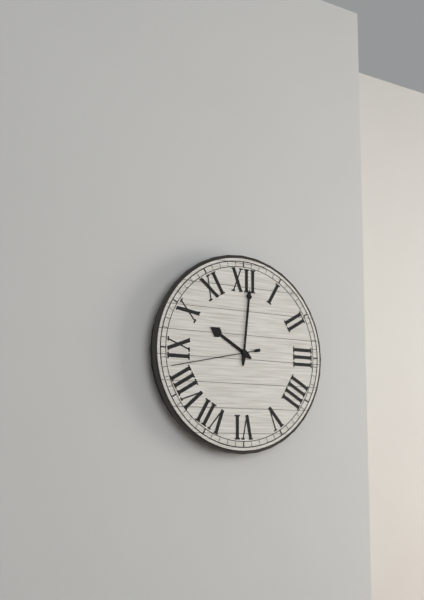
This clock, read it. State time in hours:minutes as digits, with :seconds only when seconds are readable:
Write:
10:01:43
